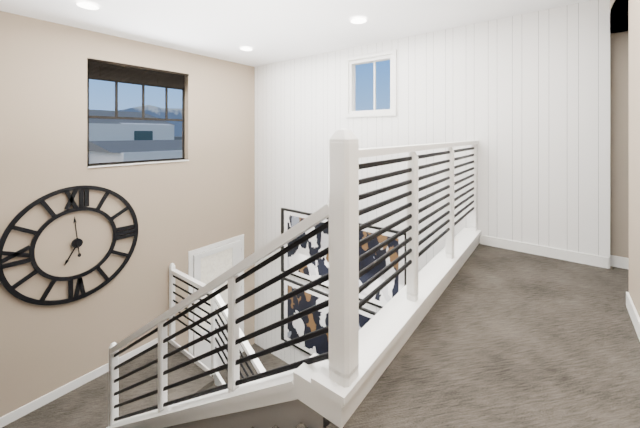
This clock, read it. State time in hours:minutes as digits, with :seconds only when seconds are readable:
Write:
6:59
